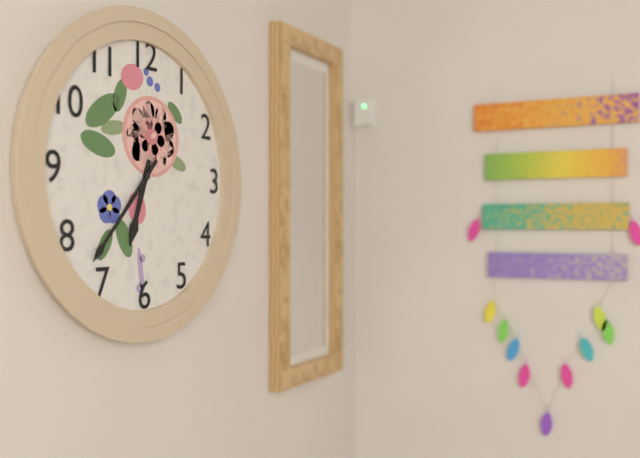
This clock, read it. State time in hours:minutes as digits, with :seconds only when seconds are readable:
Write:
6:37
